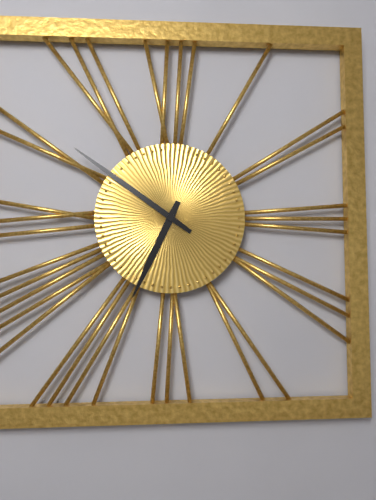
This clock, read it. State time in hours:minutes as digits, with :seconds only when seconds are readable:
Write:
6:51
